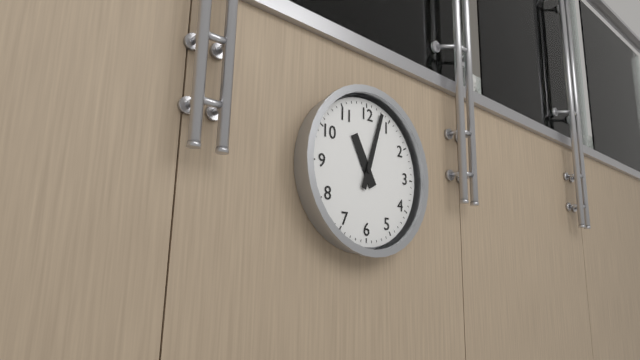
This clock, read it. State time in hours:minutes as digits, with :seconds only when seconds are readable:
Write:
11:03
